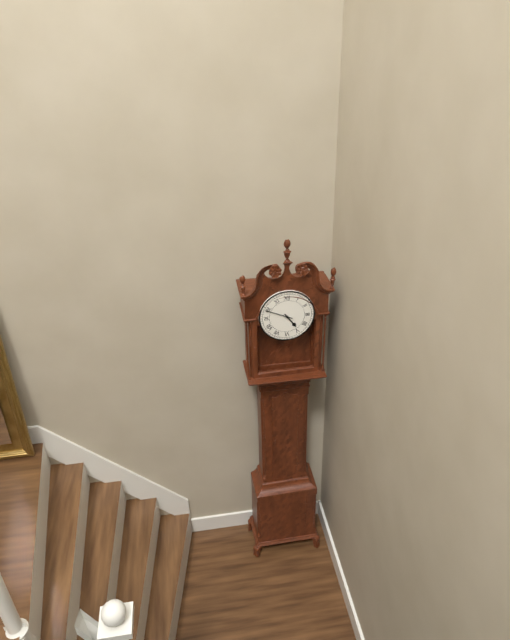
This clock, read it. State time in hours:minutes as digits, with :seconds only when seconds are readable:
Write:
4:49
